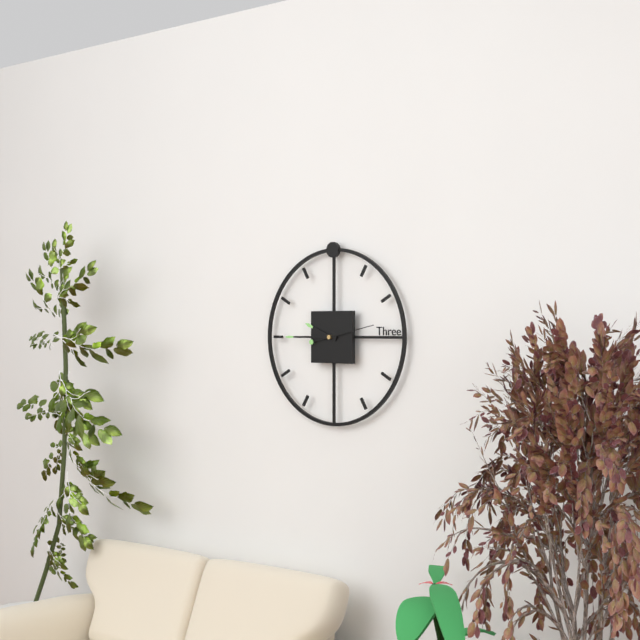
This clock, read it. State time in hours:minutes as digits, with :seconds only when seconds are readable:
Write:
9:45:13
